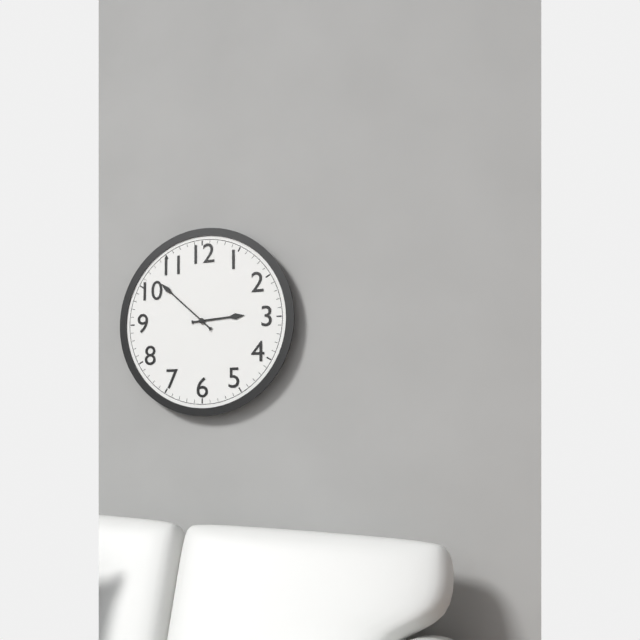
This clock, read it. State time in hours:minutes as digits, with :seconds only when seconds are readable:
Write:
2:52
